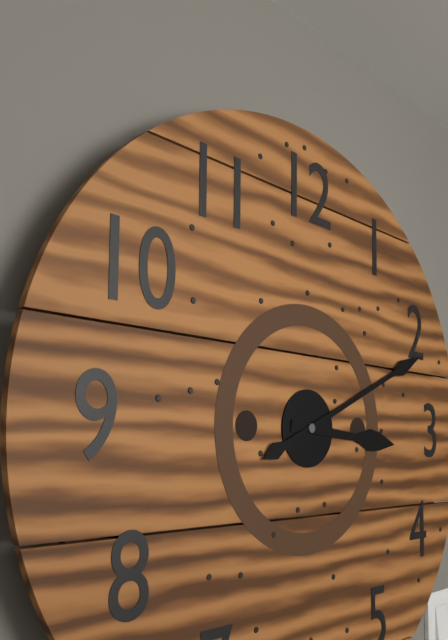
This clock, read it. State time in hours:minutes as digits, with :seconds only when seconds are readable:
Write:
3:11
